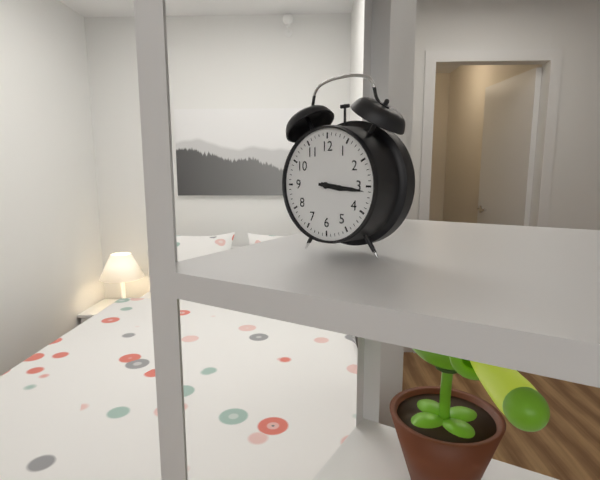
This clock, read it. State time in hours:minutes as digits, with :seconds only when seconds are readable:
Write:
3:16
